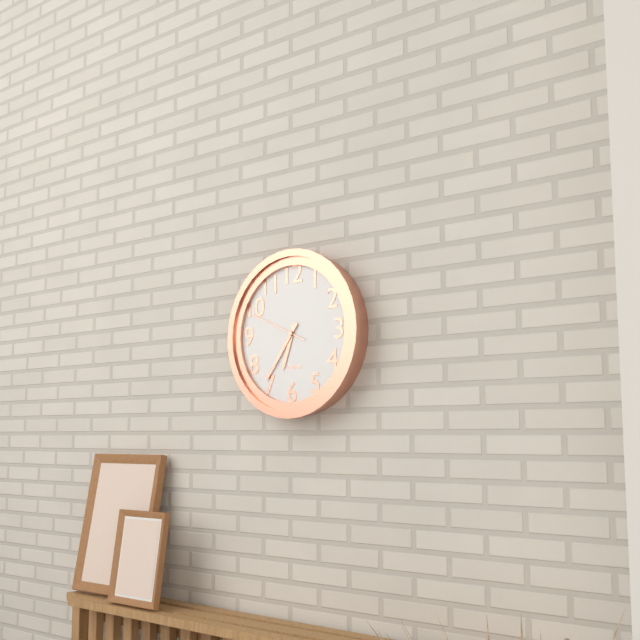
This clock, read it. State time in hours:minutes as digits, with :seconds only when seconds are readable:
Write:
6:36:49
